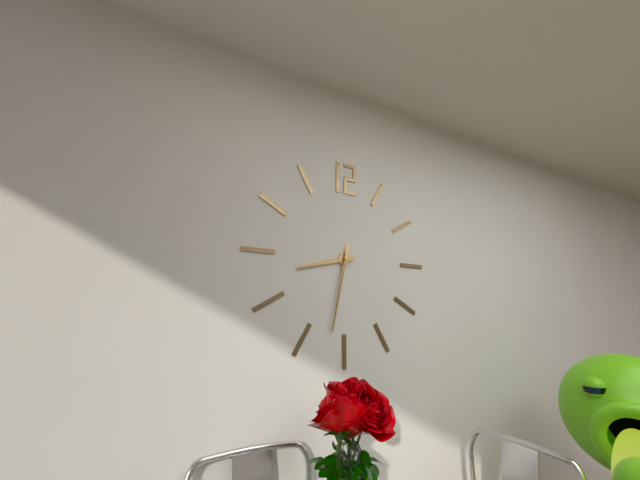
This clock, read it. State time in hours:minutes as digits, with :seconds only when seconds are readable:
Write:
8:32
